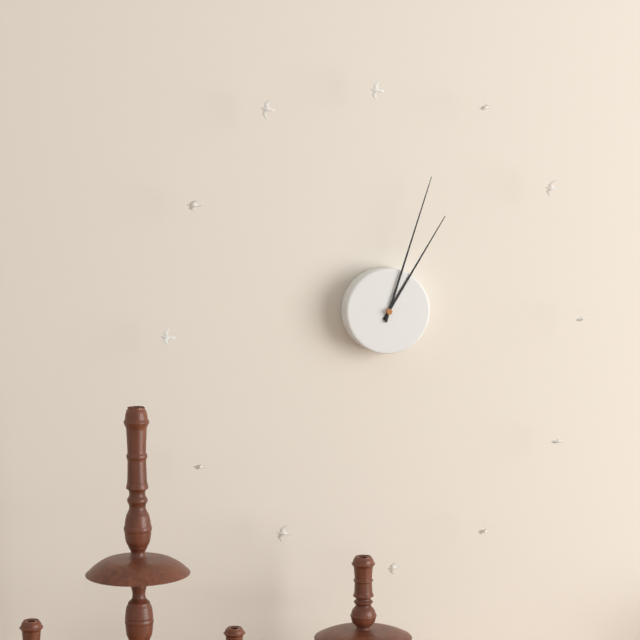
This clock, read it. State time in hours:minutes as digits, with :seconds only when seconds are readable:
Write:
1:03
